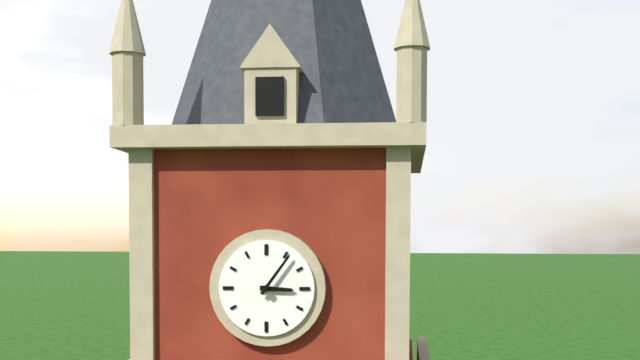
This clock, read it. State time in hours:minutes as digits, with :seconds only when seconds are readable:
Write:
3:06
